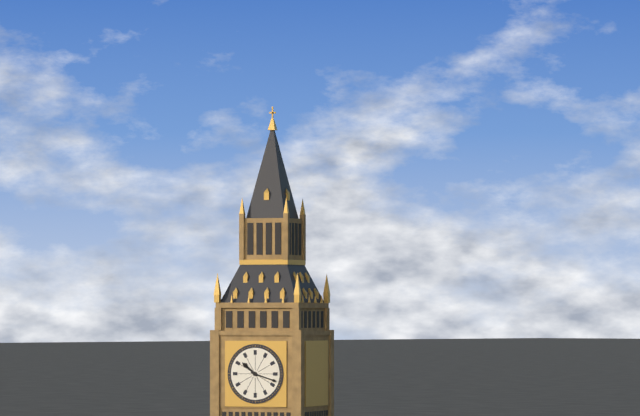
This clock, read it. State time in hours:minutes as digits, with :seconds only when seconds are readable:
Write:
10:18
